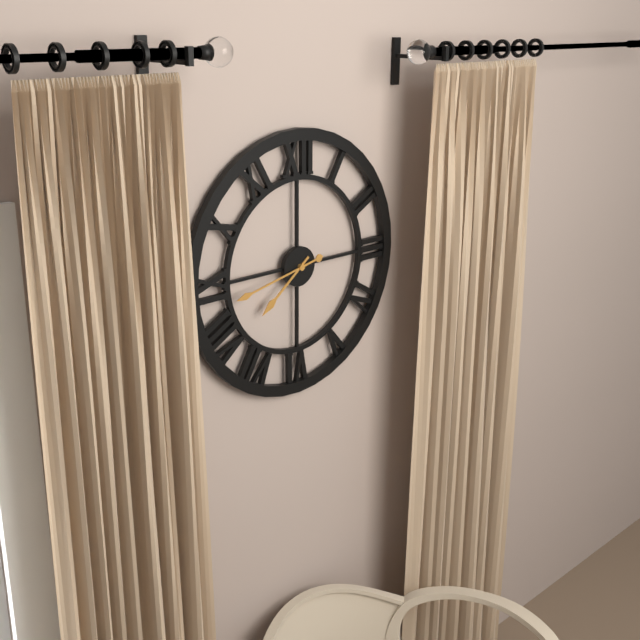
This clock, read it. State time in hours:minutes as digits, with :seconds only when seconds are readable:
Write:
7:43
